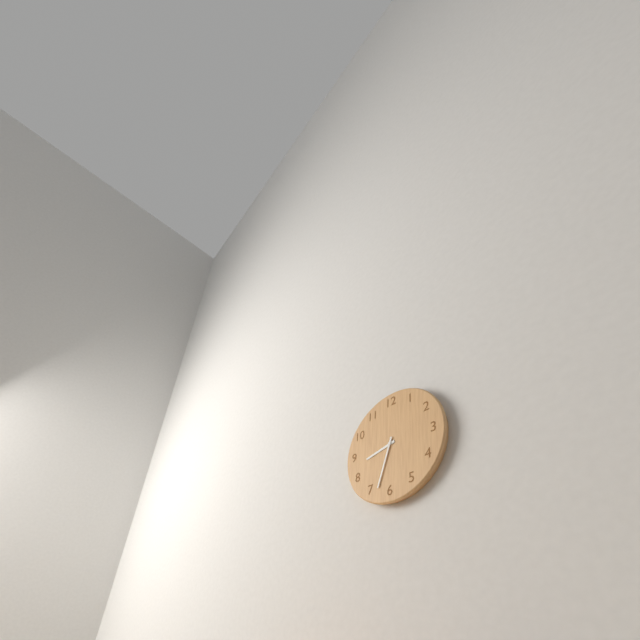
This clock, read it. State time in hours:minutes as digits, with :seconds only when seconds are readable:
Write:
8:33
